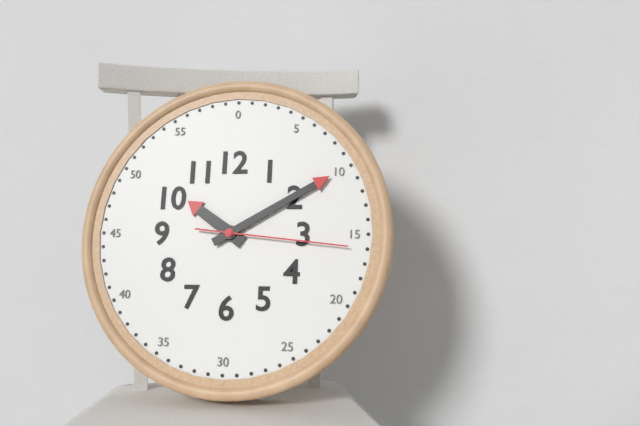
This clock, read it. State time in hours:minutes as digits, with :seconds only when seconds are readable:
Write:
10:10:16
